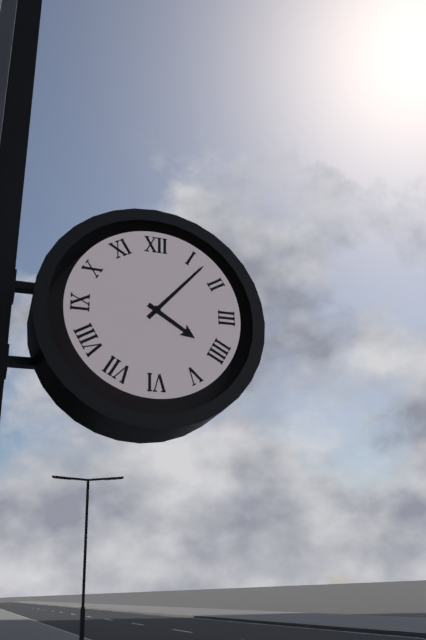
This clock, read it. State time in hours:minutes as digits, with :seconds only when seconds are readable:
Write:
4:07
